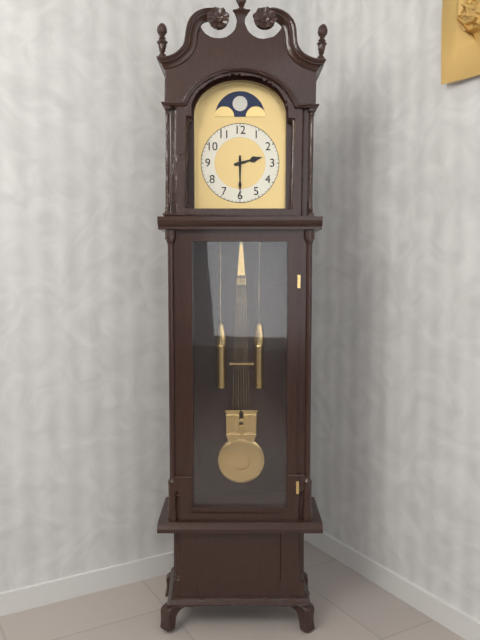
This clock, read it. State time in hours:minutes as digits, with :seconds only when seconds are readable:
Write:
2:30
